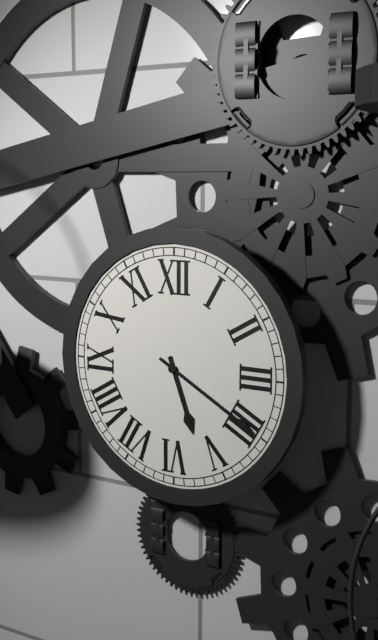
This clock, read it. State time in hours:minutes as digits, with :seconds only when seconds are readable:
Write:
5:20
